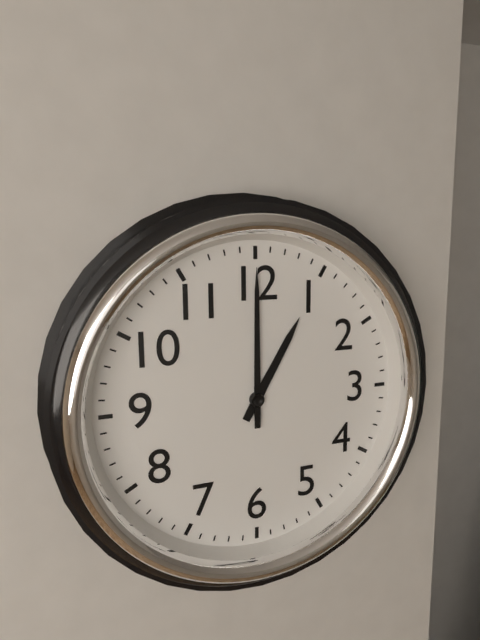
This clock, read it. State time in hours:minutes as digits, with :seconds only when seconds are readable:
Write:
1:00
